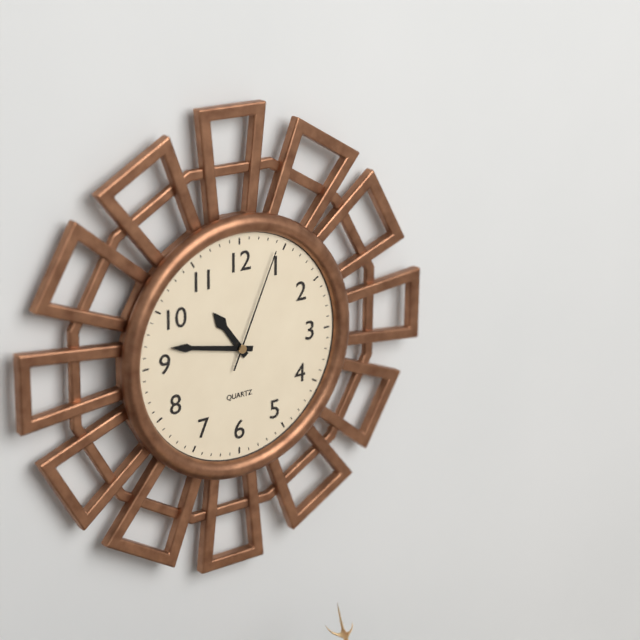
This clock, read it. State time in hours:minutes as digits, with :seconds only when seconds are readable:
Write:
10:47:04
